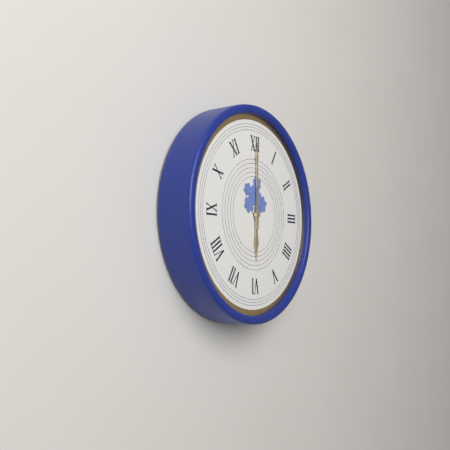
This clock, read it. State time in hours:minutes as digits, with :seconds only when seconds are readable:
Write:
6:00
